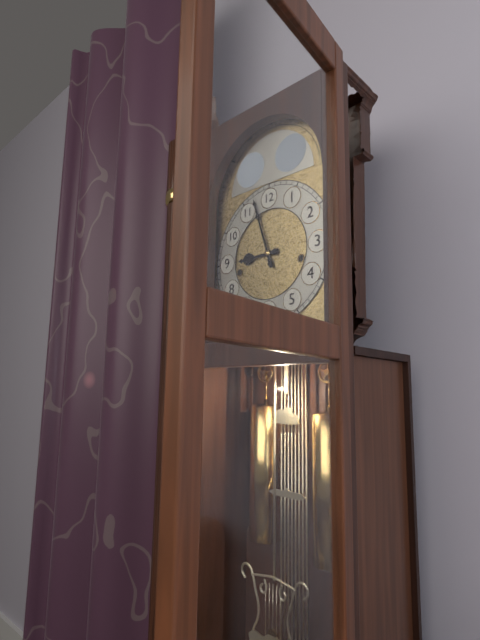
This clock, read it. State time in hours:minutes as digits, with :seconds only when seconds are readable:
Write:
8:57
